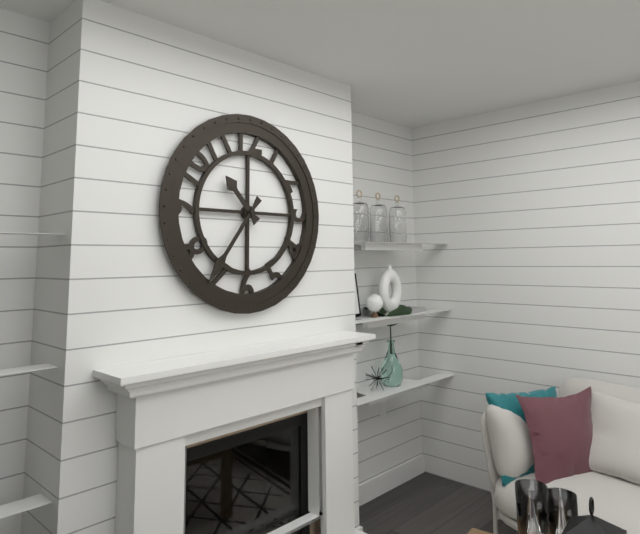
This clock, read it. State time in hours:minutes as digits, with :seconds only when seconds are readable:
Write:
10:36
